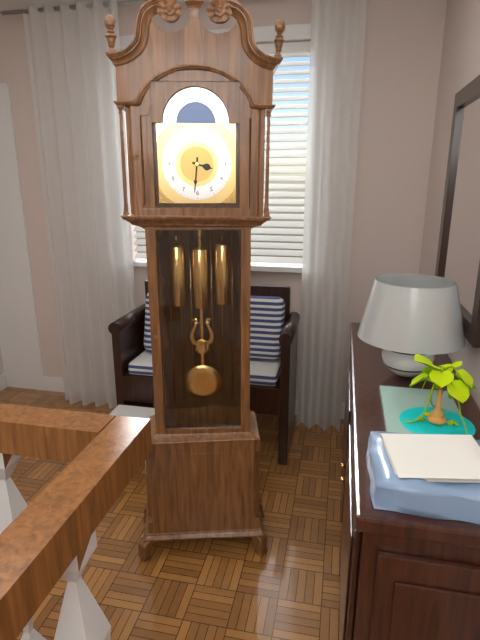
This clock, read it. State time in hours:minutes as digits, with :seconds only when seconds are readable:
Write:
3:31
